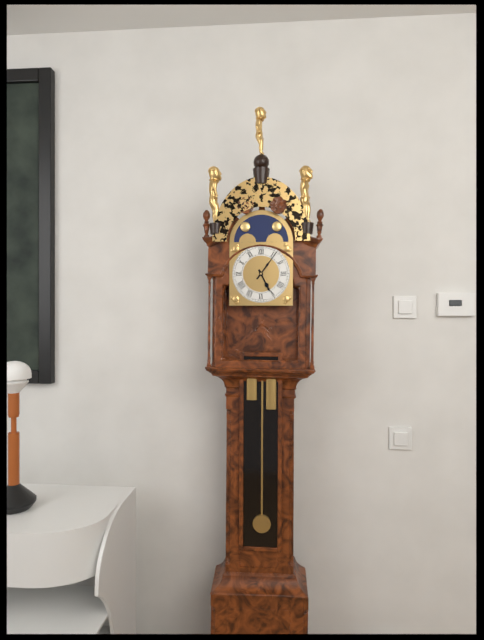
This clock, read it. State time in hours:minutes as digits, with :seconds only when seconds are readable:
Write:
5:06
